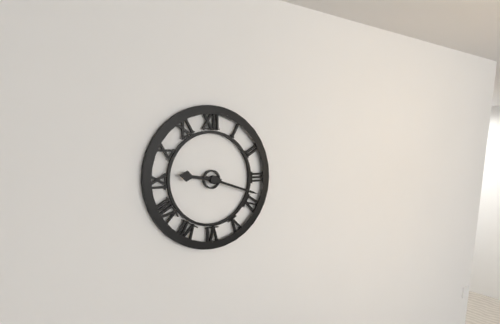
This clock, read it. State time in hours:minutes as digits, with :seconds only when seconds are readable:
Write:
9:18
